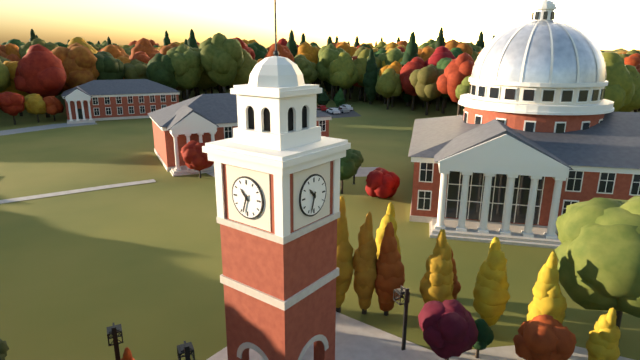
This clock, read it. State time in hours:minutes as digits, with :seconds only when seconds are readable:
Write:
10:33
